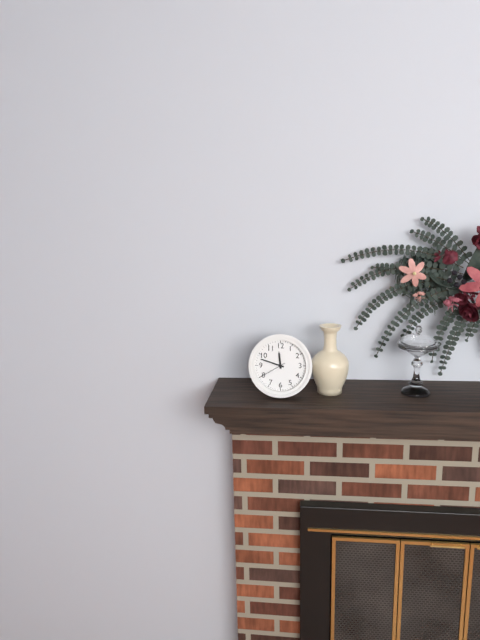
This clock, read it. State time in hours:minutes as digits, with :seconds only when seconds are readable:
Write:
11:48
